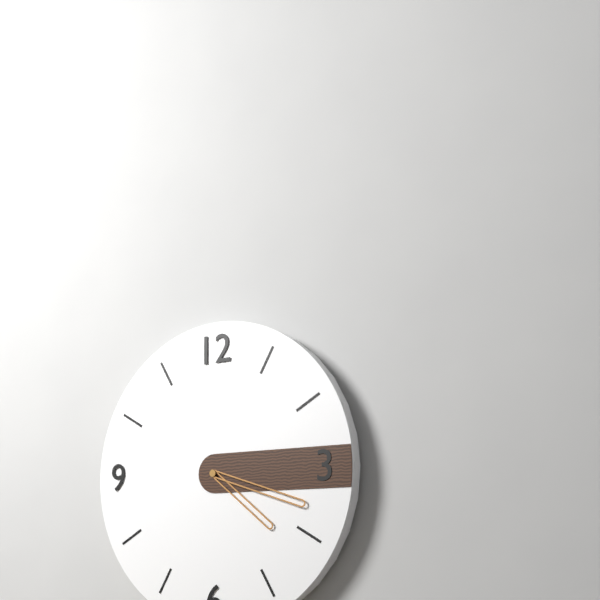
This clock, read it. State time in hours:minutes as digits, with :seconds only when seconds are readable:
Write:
4:18
